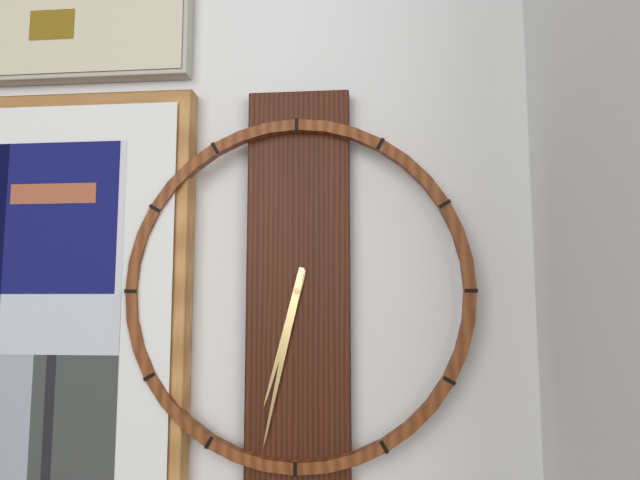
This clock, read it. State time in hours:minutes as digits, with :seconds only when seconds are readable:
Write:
6:32
